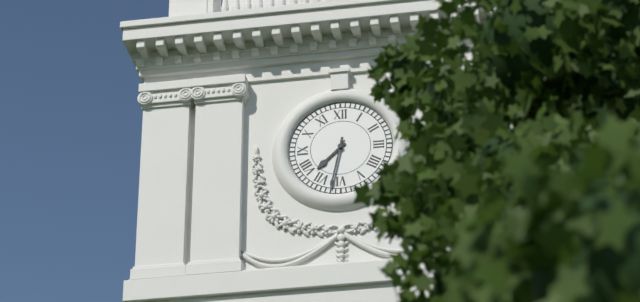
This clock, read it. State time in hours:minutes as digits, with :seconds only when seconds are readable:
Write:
7:32
